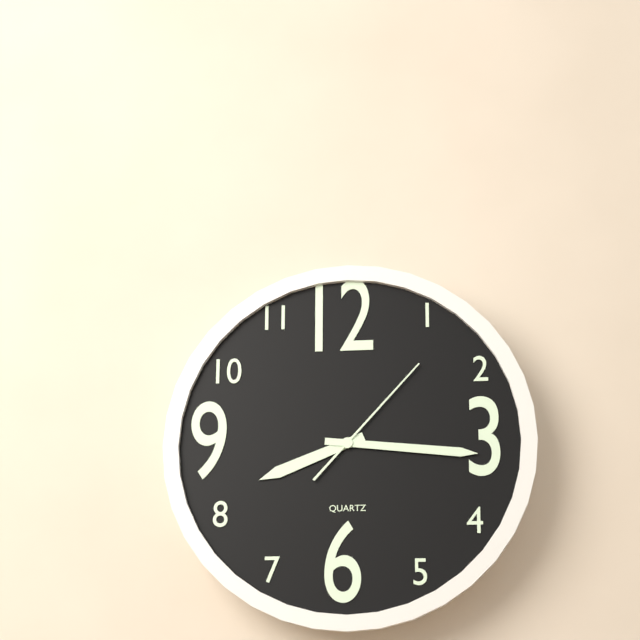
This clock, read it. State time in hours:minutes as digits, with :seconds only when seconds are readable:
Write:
8:16:07
